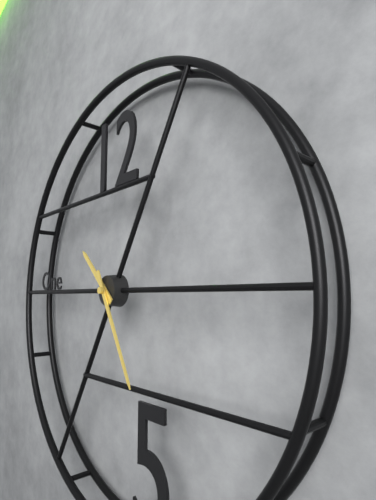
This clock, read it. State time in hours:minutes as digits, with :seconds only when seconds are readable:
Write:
10:25
